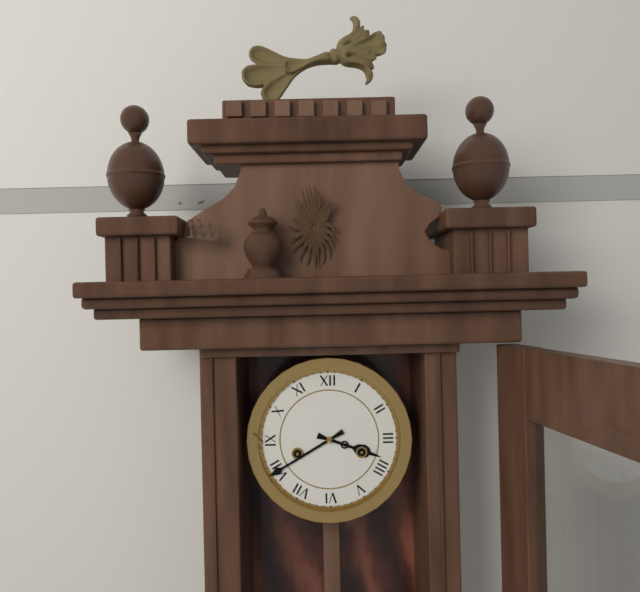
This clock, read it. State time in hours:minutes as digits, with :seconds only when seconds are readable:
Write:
3:40
